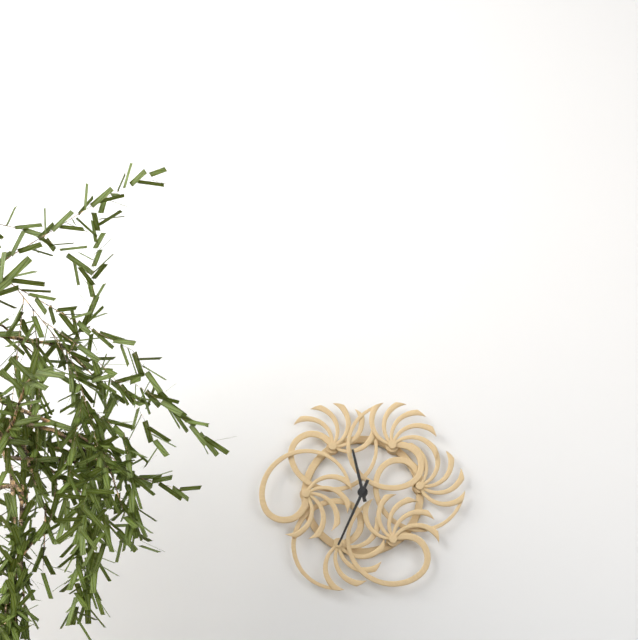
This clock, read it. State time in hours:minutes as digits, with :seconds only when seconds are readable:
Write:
11:34
